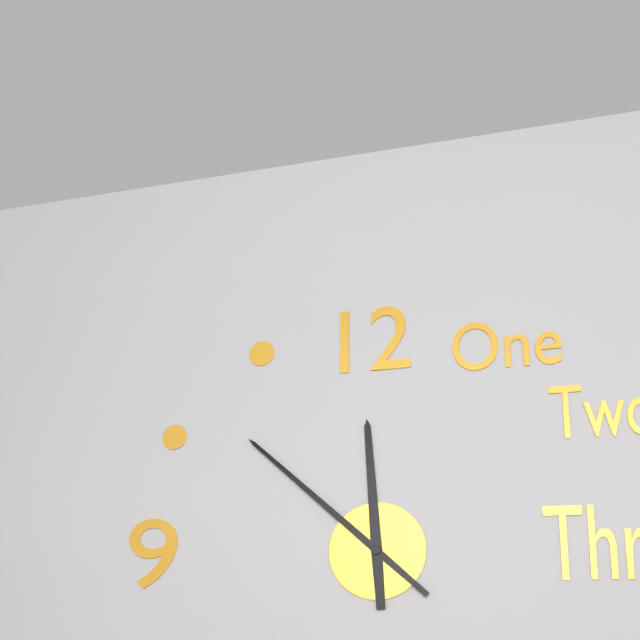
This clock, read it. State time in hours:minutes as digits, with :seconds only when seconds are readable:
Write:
11:52
